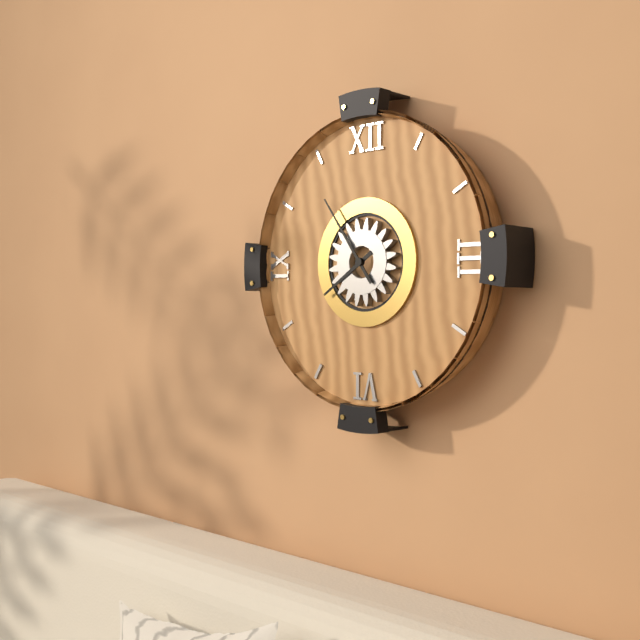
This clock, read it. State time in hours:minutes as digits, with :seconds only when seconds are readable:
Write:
7:54
